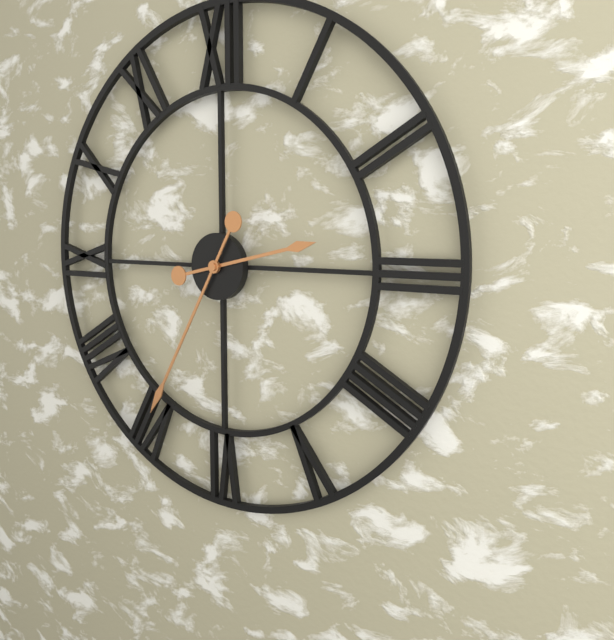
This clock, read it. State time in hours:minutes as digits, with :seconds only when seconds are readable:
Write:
2:35
